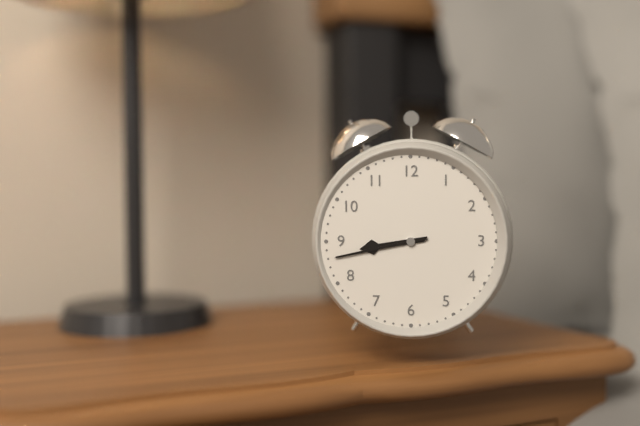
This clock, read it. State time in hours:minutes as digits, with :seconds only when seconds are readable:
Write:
8:43
